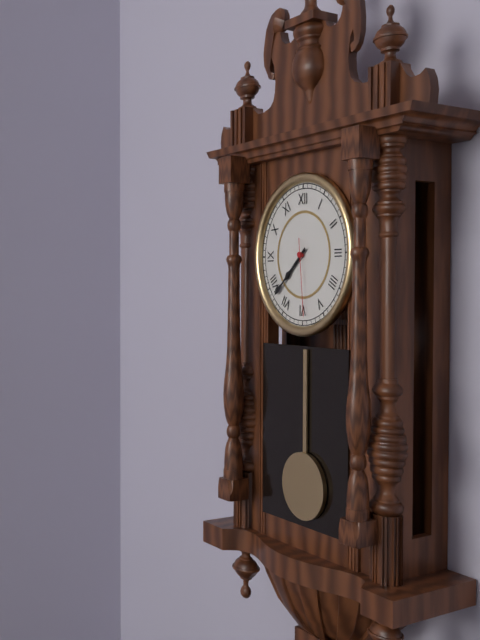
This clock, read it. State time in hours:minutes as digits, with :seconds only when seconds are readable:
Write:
7:38:29
